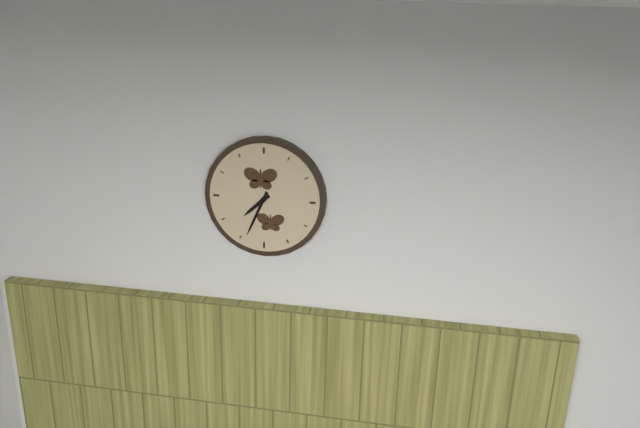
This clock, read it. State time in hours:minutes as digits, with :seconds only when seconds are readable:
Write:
7:34
